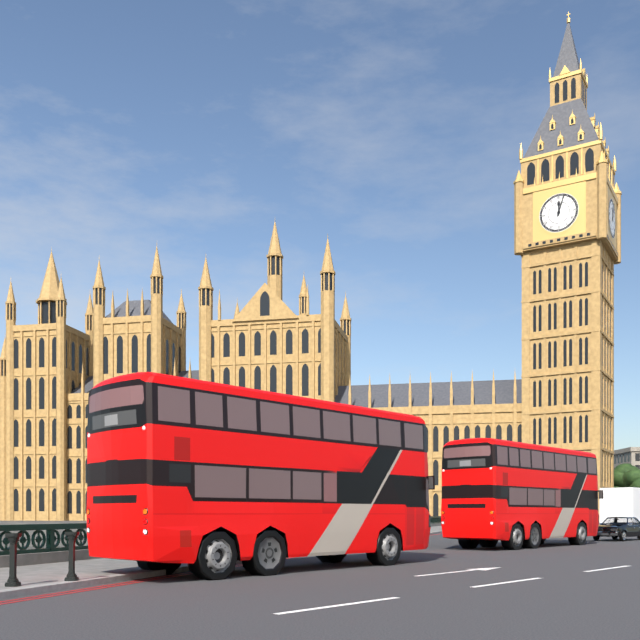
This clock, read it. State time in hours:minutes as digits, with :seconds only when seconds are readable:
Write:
12:03
